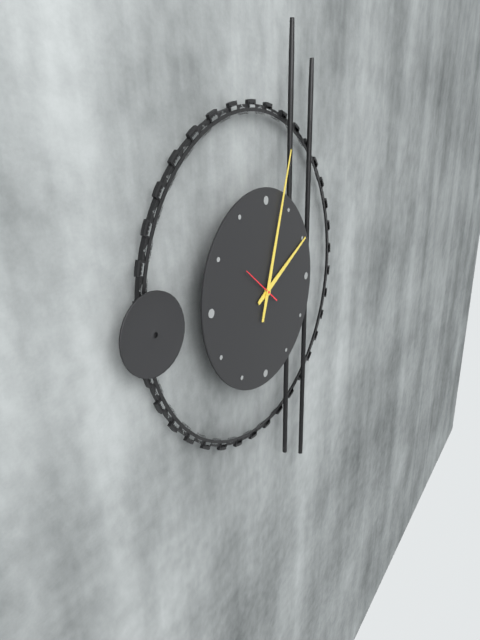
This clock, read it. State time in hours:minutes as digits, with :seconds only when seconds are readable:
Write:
2:03
